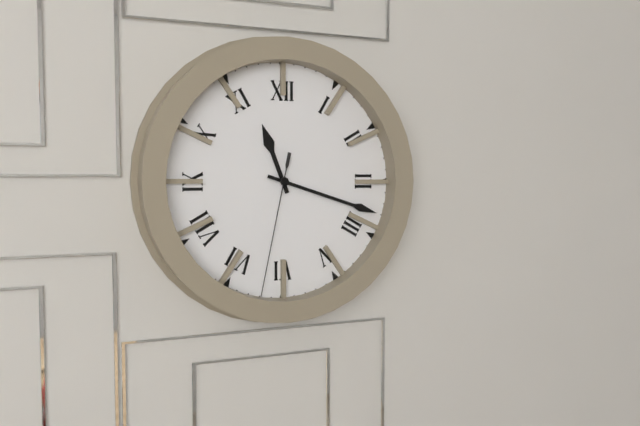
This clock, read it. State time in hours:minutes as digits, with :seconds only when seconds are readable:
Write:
11:18:32
